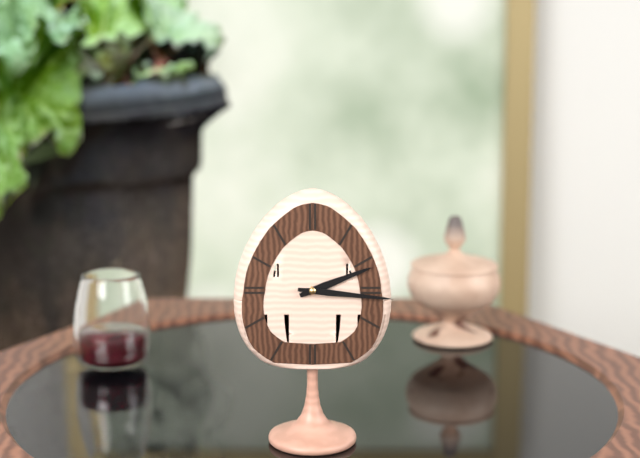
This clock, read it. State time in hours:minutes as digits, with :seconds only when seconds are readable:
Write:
2:16
